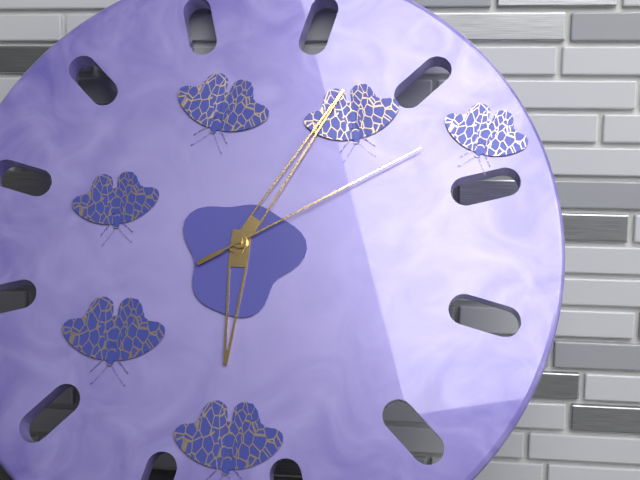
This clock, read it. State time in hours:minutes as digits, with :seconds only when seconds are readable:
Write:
6:05:10
